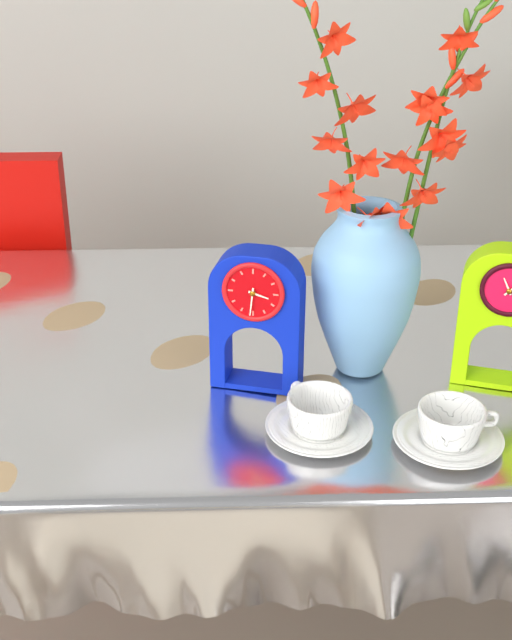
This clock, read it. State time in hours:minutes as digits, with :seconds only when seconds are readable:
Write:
3:31
